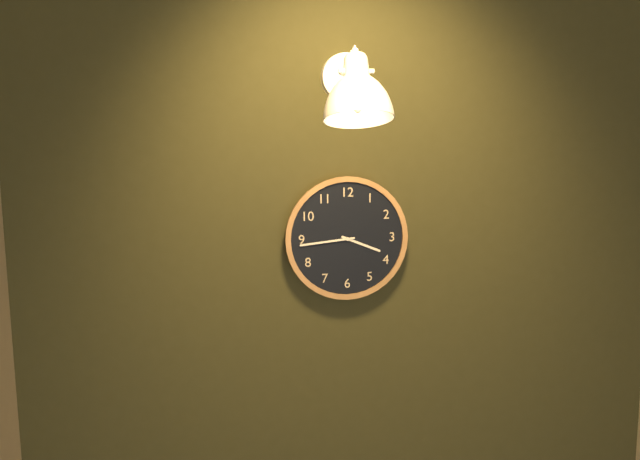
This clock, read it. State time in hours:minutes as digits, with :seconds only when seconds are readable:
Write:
3:44
